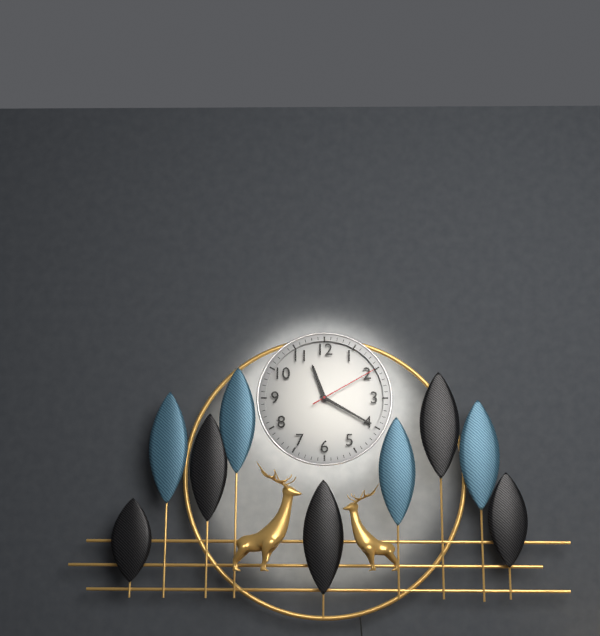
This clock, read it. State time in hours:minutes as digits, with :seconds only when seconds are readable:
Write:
11:20:10
